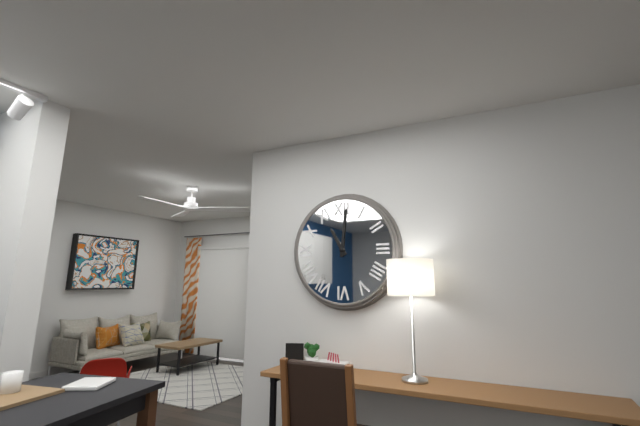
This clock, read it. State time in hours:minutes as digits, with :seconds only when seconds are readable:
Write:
11:01
